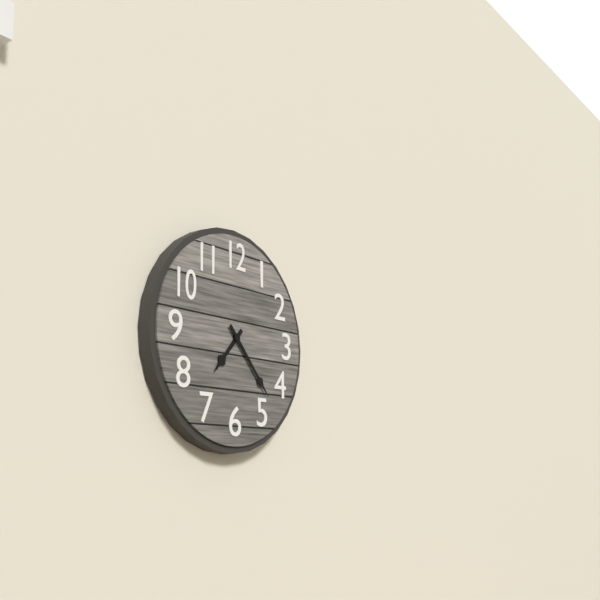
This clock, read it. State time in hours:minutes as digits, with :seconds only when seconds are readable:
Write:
7:23
